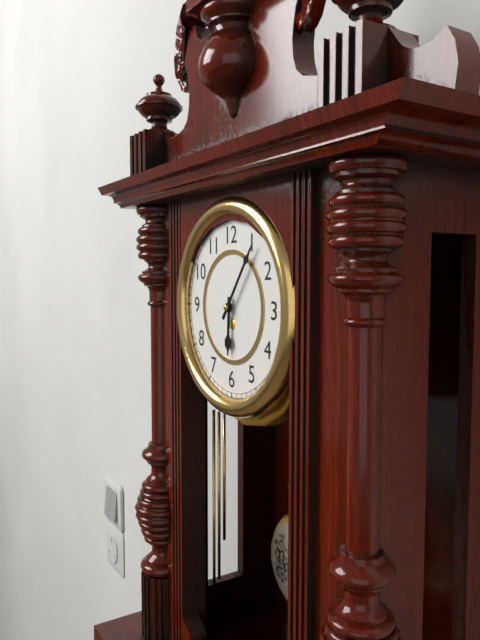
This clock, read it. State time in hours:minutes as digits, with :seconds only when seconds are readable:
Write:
6:06
